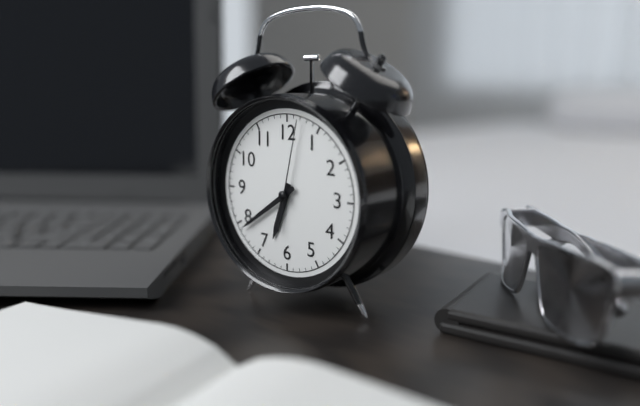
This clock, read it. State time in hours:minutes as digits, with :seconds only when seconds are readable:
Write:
6:39:02
